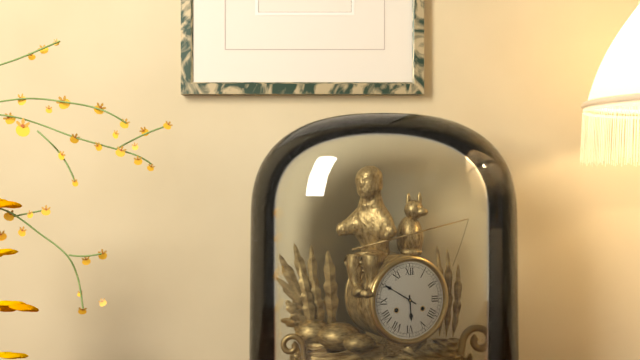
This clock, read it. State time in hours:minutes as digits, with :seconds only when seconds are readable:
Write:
5:50
